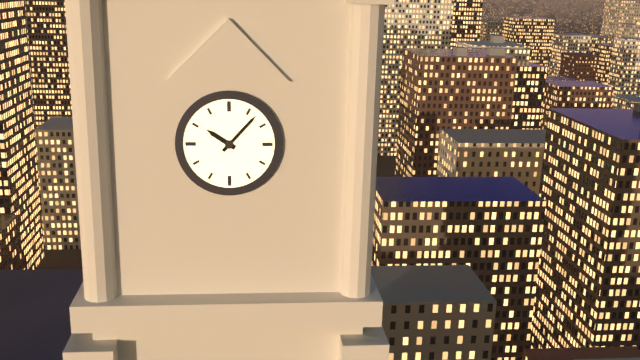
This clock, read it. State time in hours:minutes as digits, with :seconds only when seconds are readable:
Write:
10:07
